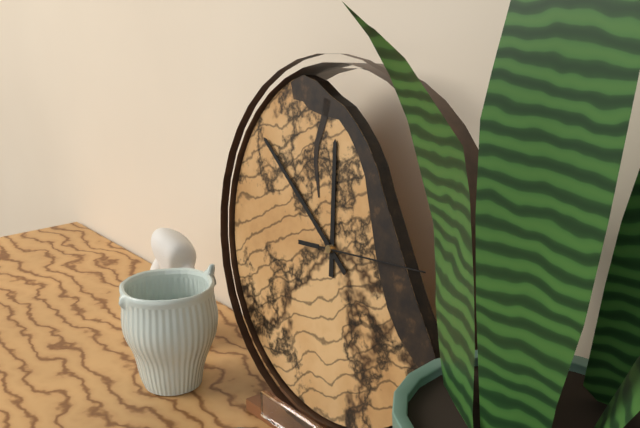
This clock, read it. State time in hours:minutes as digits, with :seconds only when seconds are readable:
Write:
11:51:14
